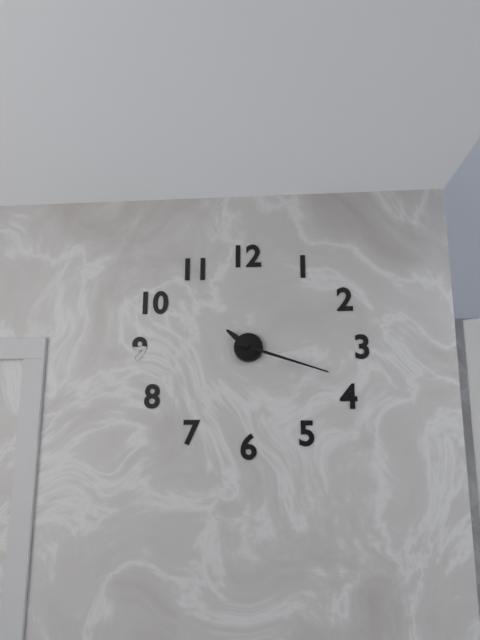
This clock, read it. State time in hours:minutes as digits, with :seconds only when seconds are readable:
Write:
10:18
